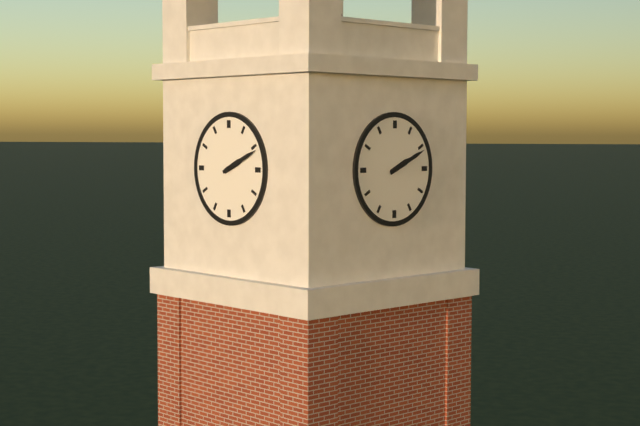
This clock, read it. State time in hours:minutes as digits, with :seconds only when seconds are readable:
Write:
2:11
